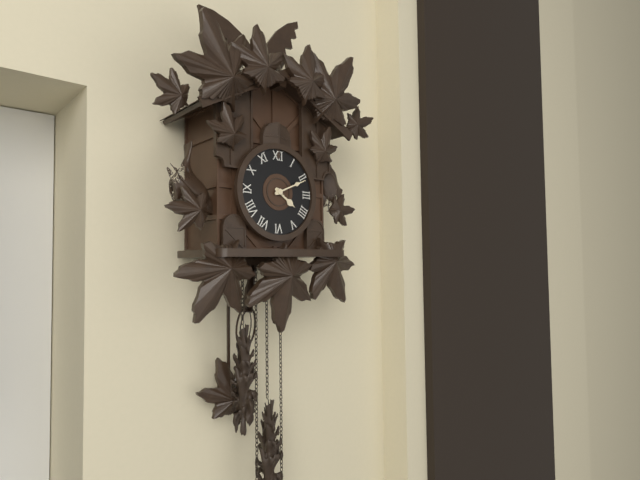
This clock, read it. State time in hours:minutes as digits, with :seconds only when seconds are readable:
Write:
4:11
